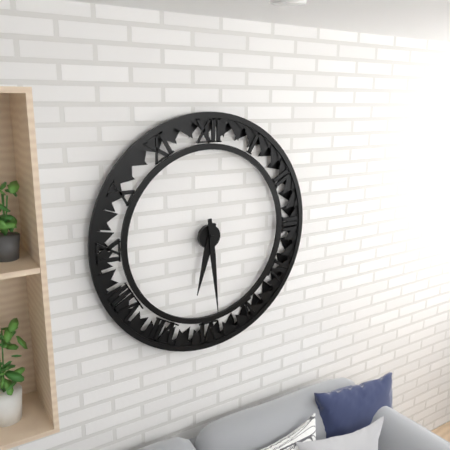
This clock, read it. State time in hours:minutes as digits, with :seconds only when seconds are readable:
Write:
6:29
